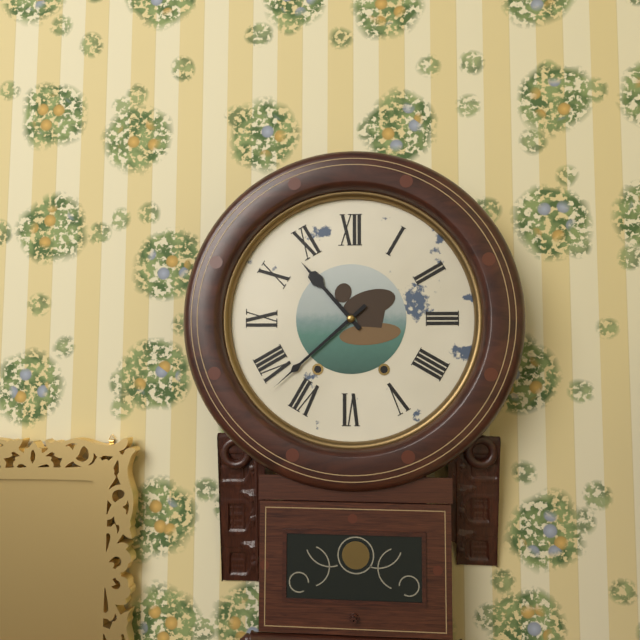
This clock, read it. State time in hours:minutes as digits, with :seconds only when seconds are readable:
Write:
10:38
